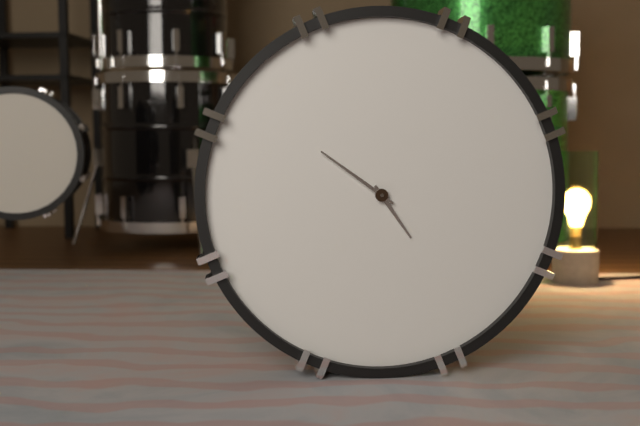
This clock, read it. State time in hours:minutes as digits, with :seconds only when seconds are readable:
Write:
4:51
